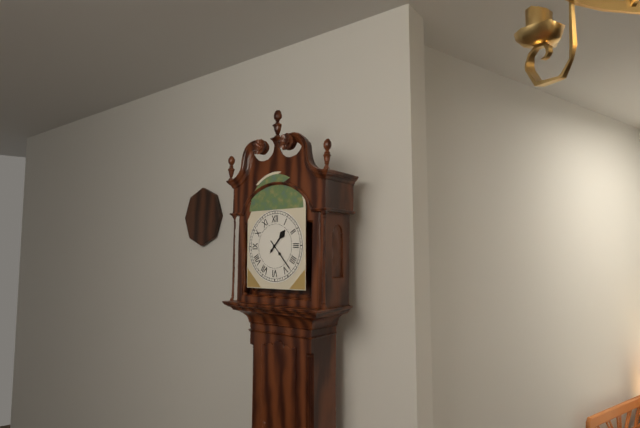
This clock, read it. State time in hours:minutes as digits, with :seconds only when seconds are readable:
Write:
1:23
